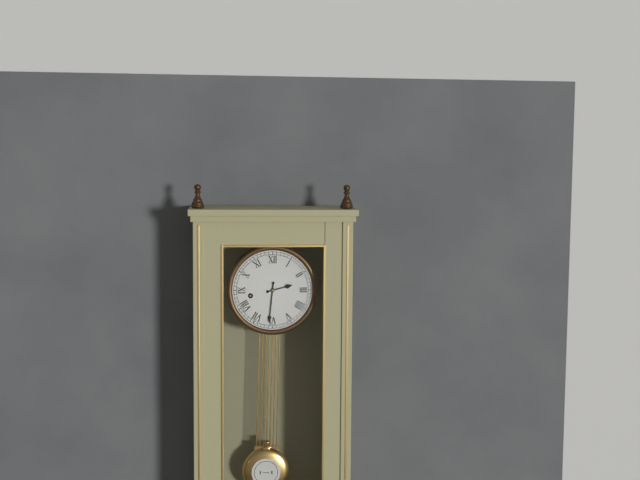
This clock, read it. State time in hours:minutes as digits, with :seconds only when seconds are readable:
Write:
2:31
